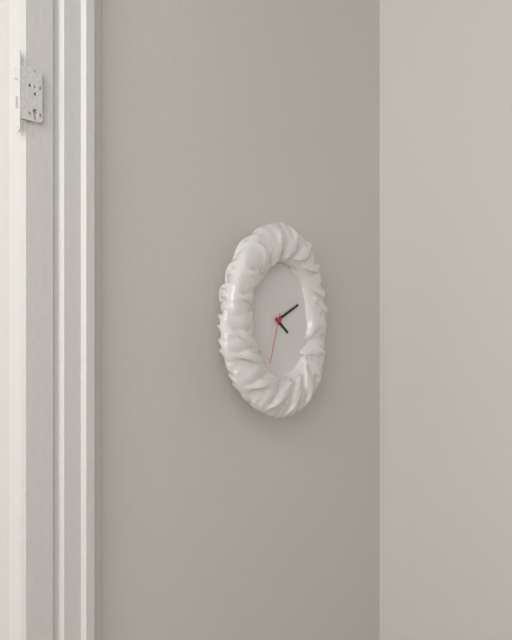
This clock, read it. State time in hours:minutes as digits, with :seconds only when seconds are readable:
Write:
4:11:33
